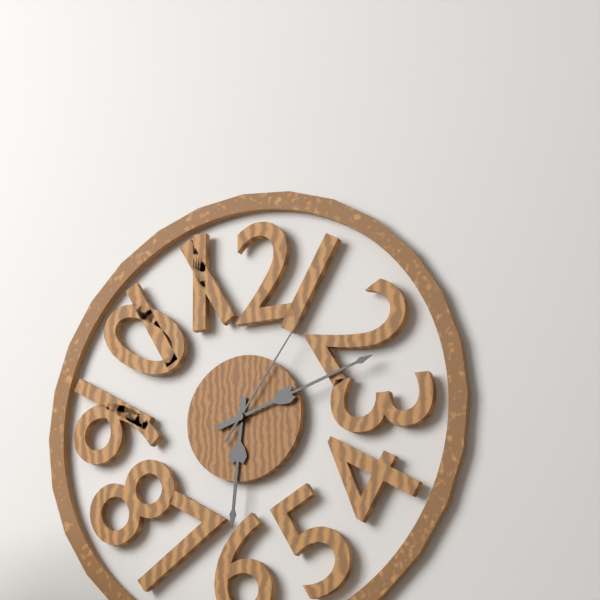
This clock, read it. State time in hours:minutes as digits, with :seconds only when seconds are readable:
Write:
6:12:06
